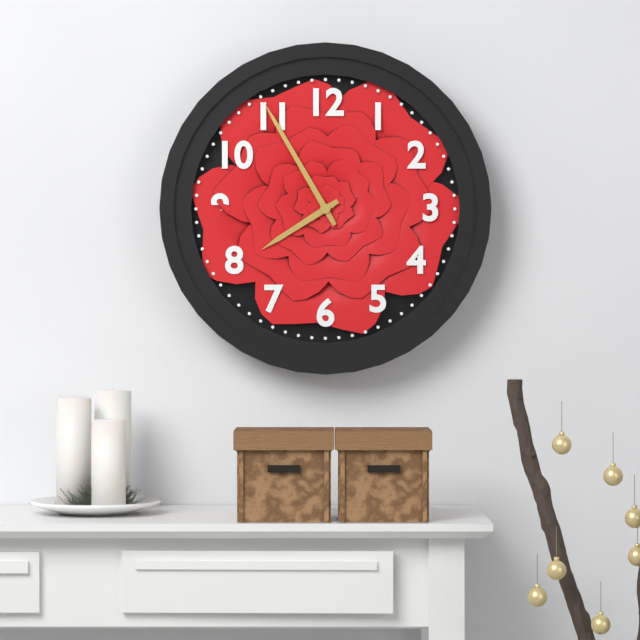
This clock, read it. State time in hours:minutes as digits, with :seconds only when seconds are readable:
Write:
7:55
